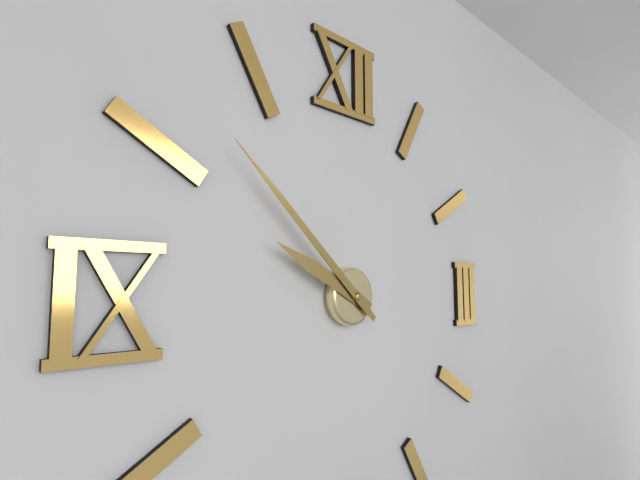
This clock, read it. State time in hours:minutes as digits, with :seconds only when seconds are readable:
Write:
9:52
